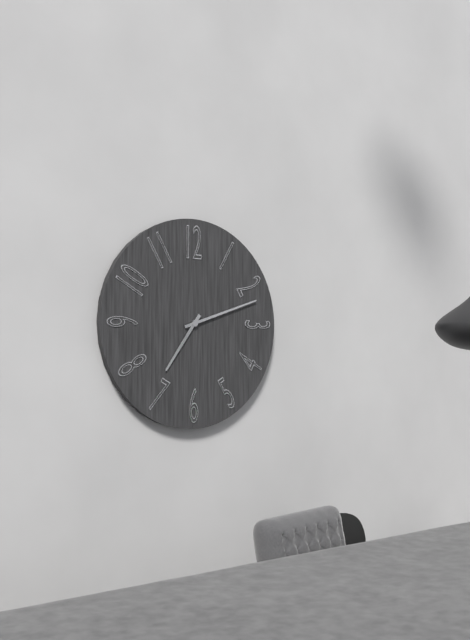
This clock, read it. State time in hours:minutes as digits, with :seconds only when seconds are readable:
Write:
7:12
